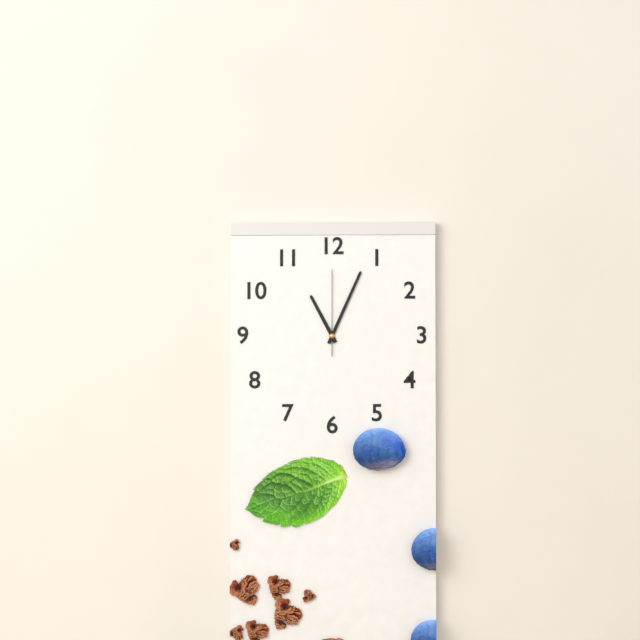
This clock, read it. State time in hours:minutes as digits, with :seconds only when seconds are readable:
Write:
11:04:00
